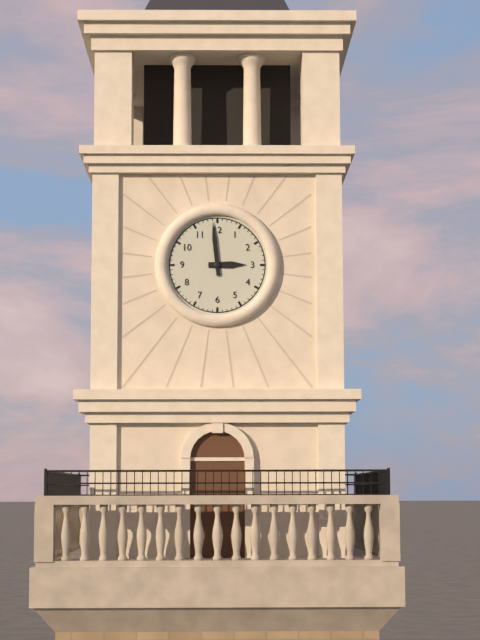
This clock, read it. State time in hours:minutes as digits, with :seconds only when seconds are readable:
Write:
2:59
